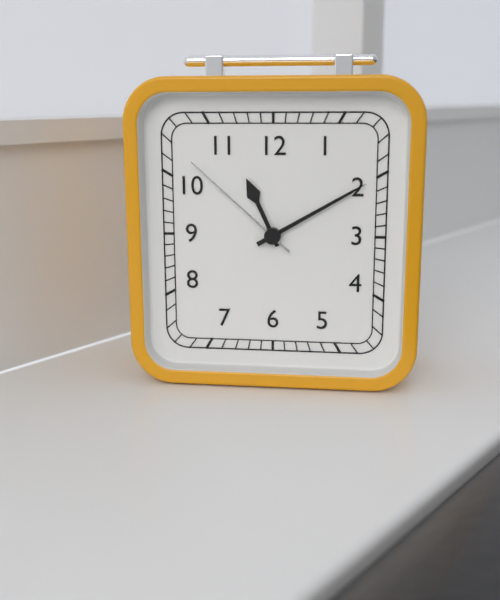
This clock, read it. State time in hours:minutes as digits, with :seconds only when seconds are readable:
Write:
11:10:52
